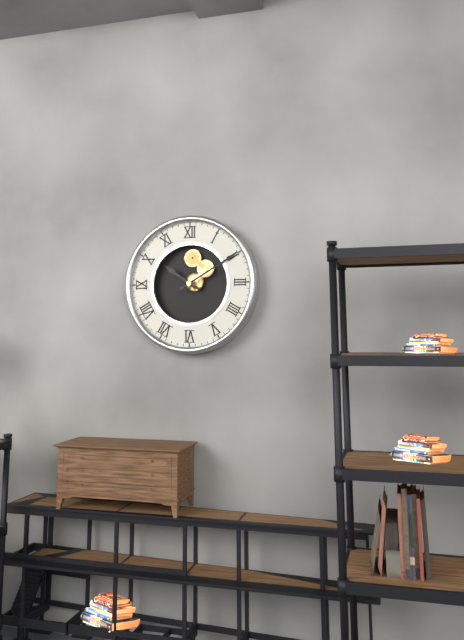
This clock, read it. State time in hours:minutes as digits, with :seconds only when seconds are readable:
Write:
10:10
